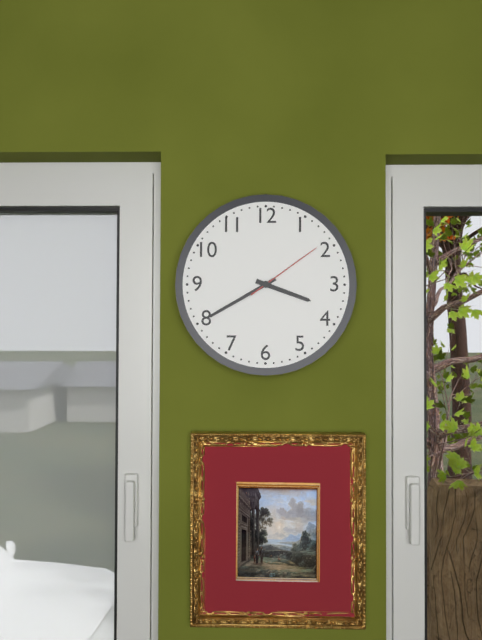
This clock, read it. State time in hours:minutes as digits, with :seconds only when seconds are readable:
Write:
3:40:09
